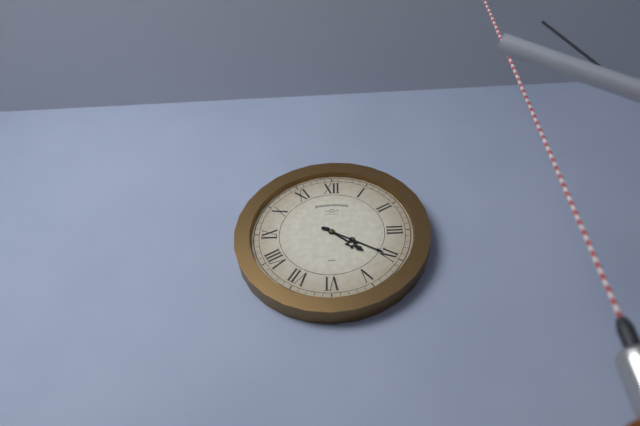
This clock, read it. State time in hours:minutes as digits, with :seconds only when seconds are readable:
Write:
4:20
